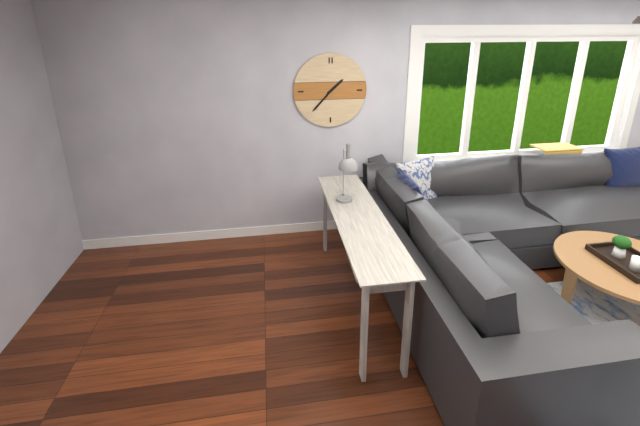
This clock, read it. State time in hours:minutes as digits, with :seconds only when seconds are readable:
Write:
1:37
